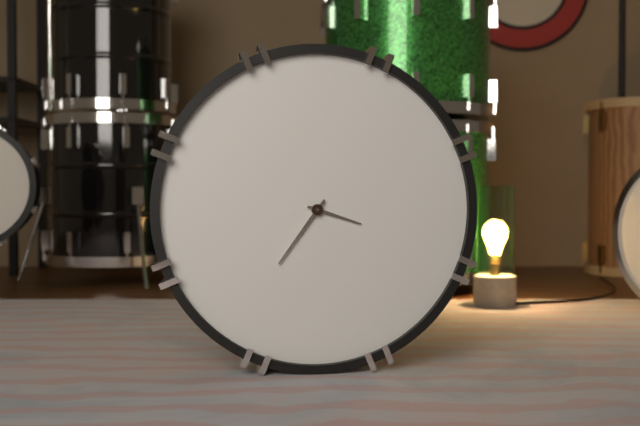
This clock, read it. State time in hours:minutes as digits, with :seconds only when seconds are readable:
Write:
3:36
